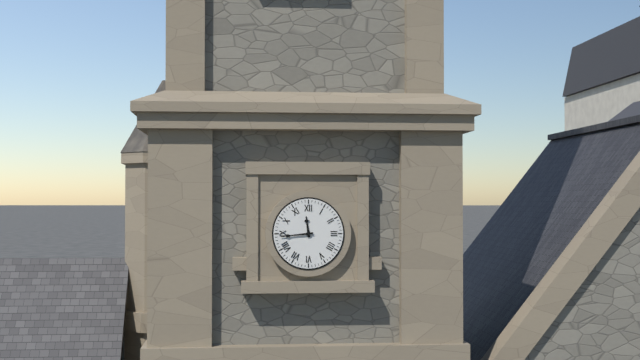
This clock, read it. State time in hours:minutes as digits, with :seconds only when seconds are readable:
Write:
11:44
